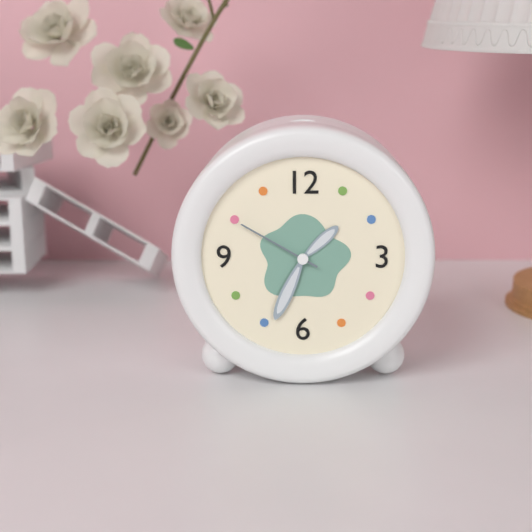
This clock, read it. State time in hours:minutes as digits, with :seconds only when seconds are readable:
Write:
1:34:50
